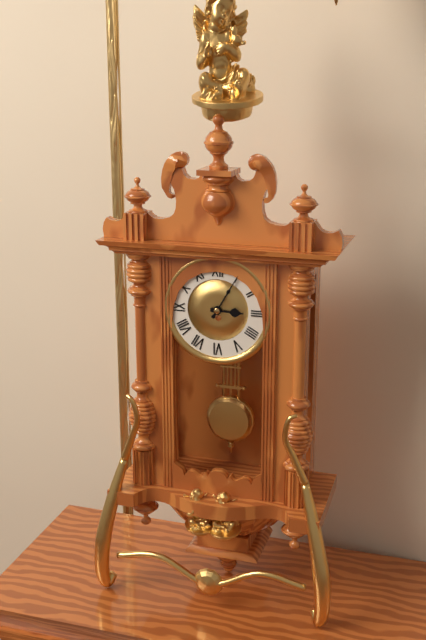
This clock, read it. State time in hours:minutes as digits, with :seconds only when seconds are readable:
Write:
3:05
